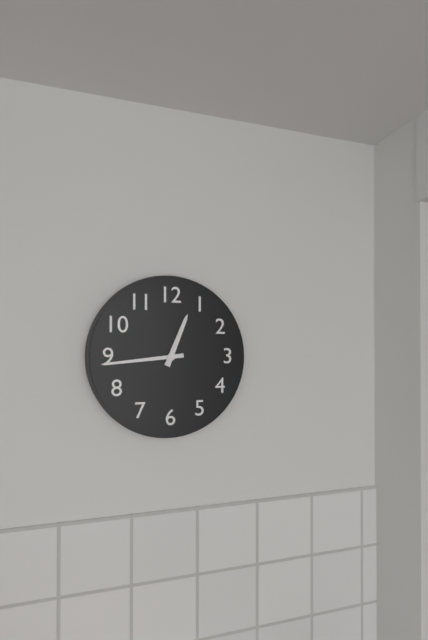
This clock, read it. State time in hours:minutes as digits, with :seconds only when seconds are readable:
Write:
12:44
